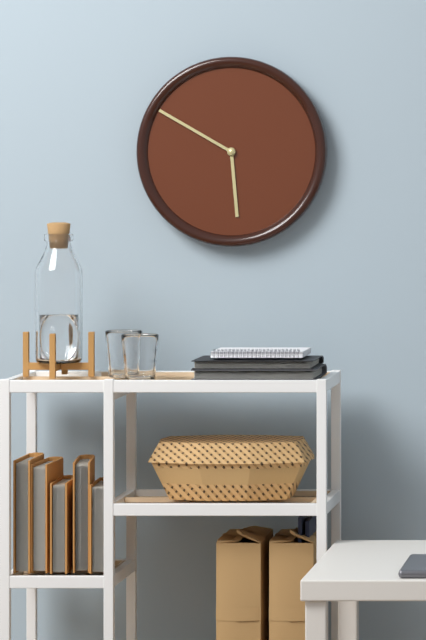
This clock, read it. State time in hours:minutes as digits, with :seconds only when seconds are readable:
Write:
5:50
